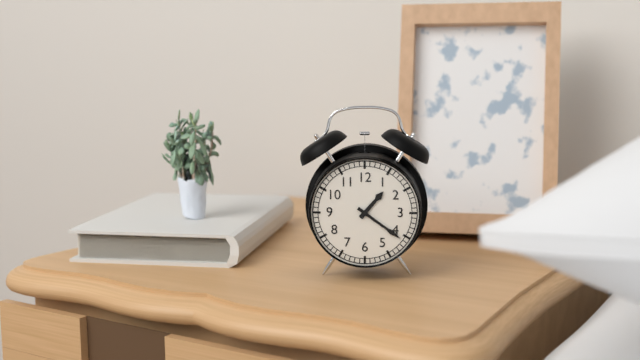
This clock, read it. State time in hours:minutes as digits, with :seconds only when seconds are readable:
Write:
1:21
